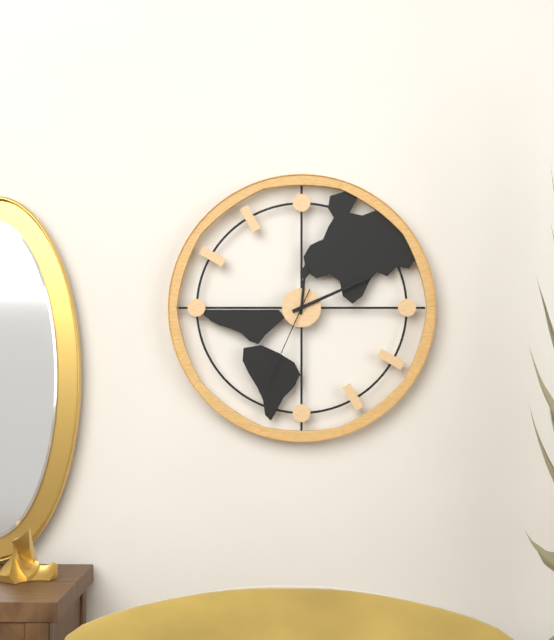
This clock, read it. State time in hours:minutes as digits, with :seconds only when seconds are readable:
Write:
12:11:34
